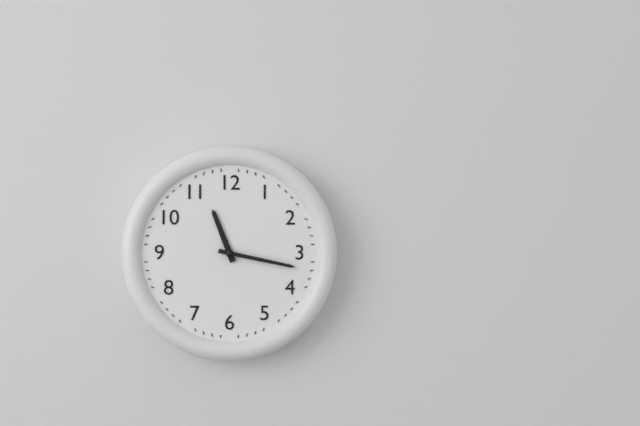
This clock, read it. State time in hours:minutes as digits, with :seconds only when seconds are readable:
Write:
11:17
